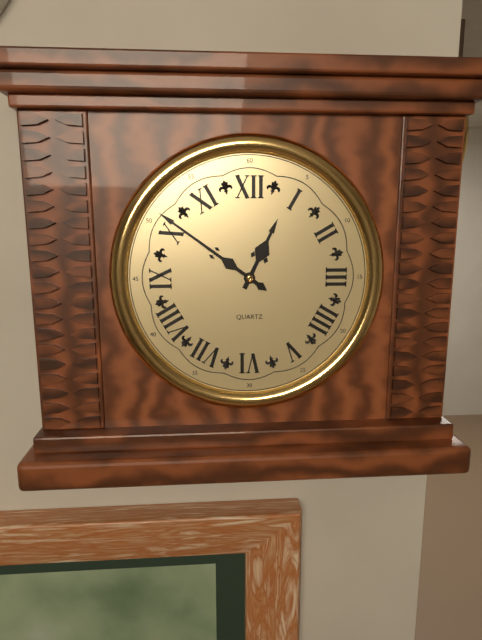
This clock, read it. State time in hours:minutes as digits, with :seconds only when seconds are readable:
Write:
12:51
